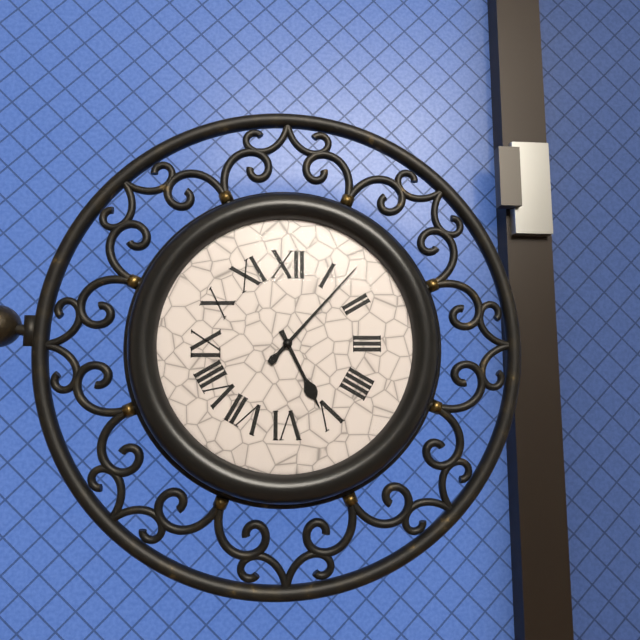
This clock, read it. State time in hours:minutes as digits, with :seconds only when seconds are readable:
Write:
5:07
